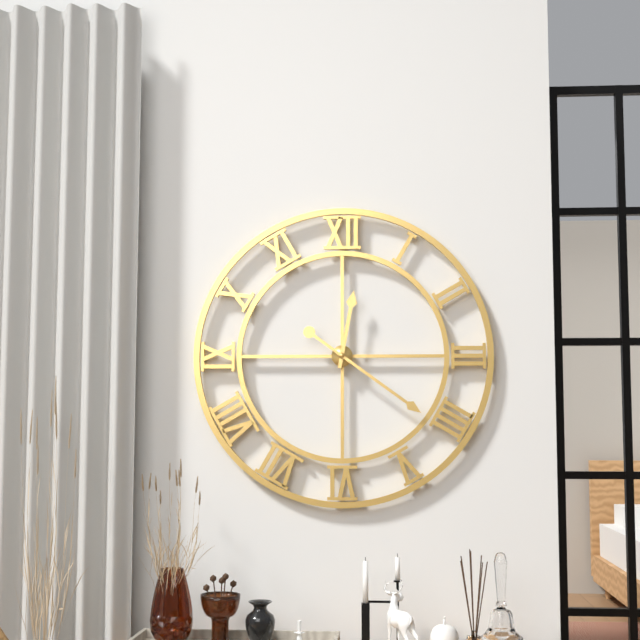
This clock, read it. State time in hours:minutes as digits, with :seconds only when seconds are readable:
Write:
12:21
